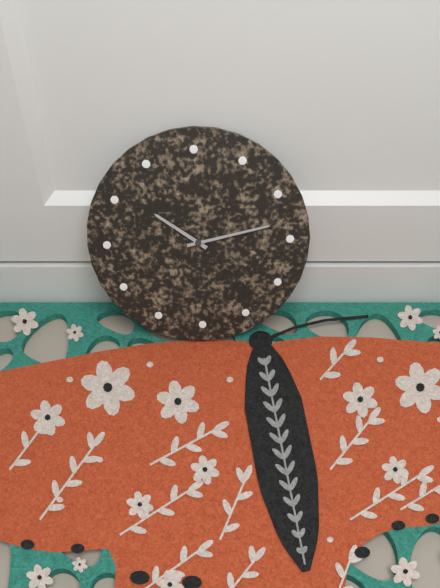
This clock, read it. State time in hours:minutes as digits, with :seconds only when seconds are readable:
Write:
10:13
